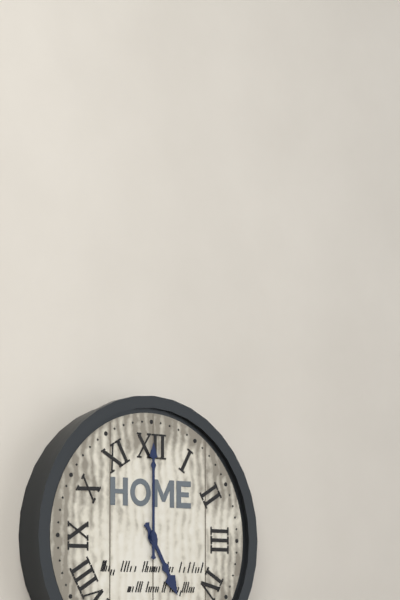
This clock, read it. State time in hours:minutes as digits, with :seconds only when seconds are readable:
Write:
5:00
